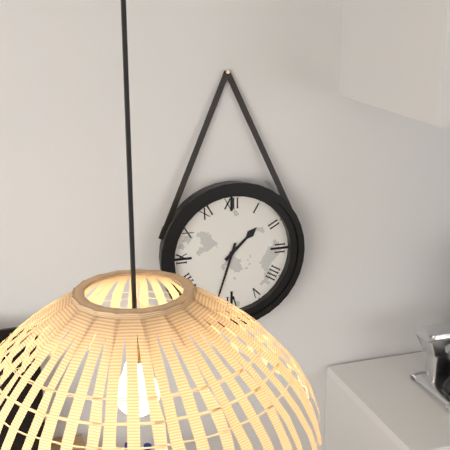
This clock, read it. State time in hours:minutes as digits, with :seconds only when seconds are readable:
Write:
1:33
